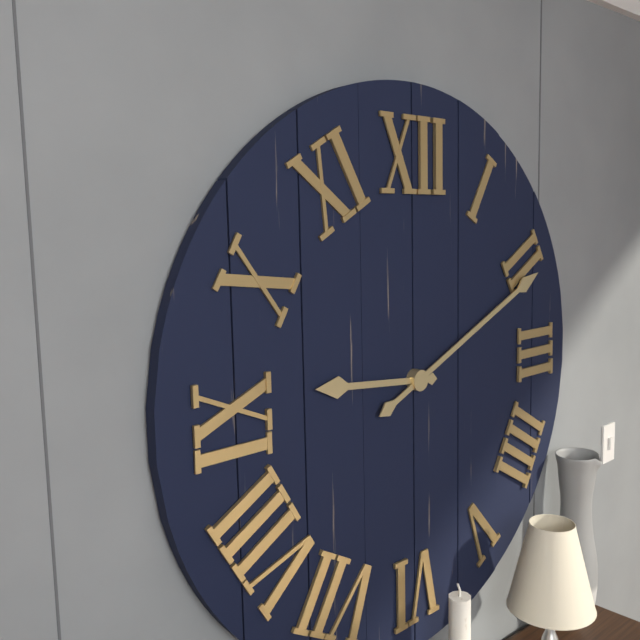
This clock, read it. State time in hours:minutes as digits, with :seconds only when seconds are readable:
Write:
9:11
